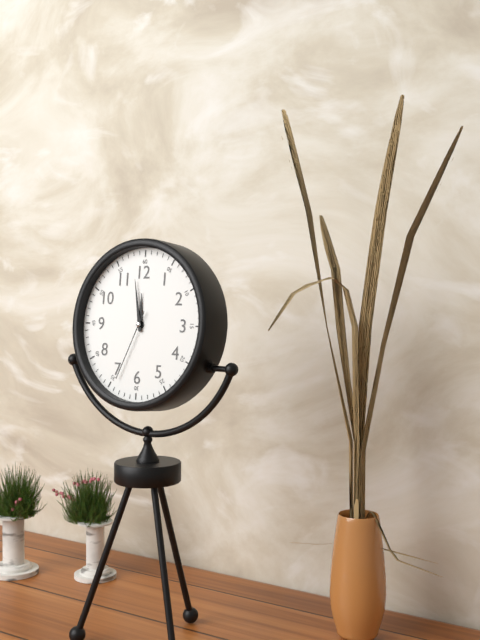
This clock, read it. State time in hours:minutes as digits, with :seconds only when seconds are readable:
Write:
11:58:34
